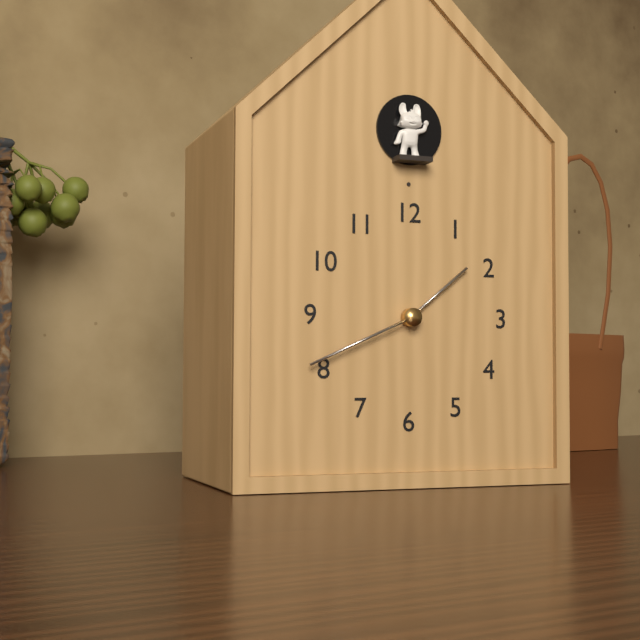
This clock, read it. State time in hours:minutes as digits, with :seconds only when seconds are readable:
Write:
1:41
